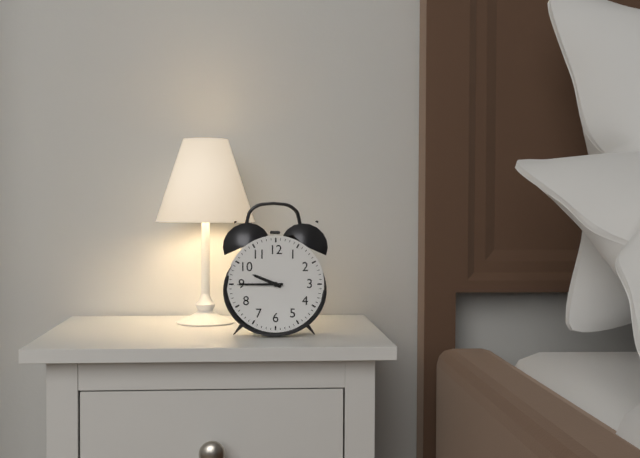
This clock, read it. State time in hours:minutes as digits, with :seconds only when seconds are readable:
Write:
9:45
